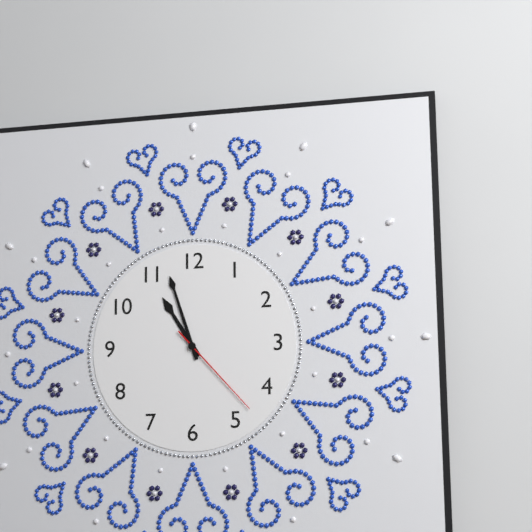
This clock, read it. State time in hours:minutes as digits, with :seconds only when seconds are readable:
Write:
10:57:23
